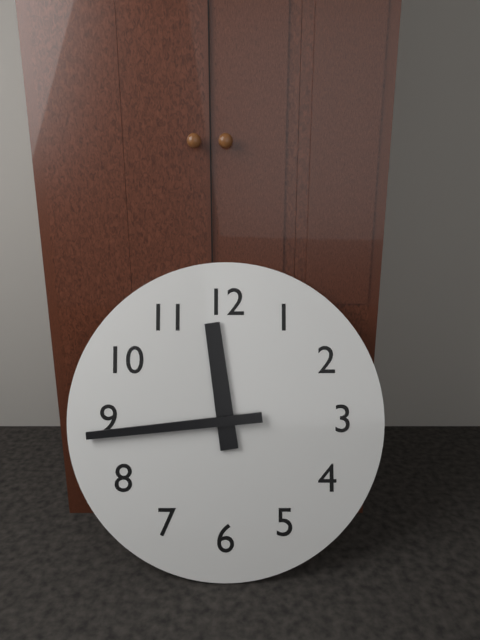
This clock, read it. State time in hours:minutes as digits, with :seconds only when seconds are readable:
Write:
11:44
